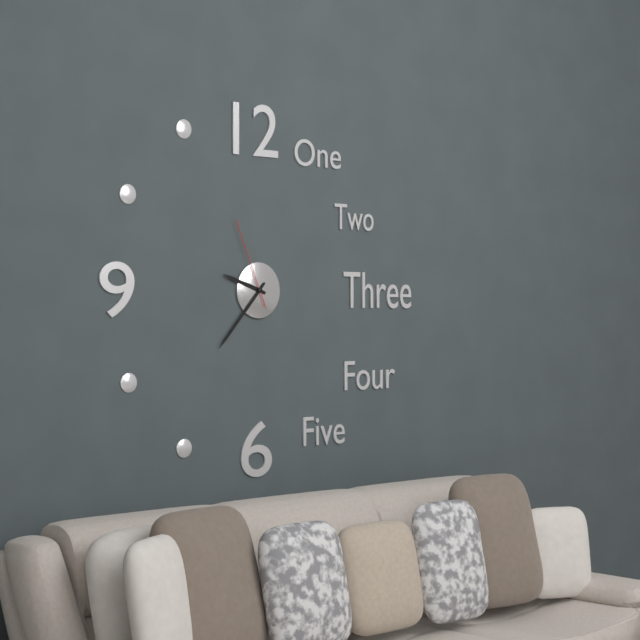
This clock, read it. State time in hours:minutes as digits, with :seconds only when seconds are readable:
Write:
9:37:56
